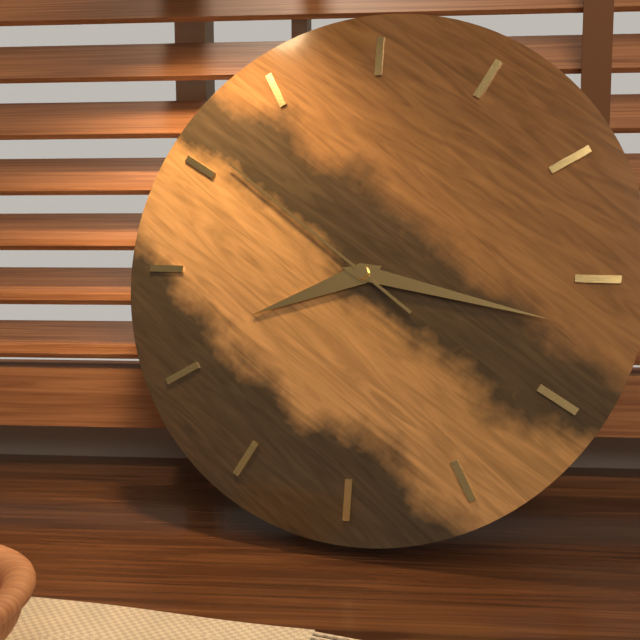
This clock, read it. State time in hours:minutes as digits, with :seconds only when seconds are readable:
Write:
8:17:51
